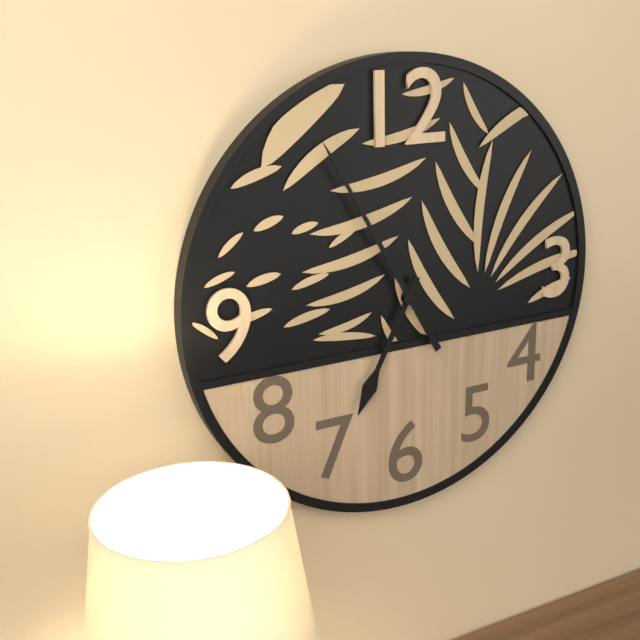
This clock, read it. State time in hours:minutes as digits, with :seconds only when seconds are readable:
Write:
6:55
